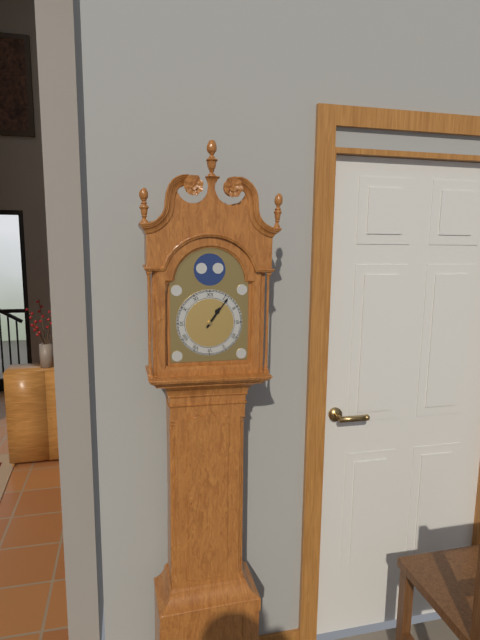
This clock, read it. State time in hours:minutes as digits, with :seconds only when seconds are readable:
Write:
1:06
